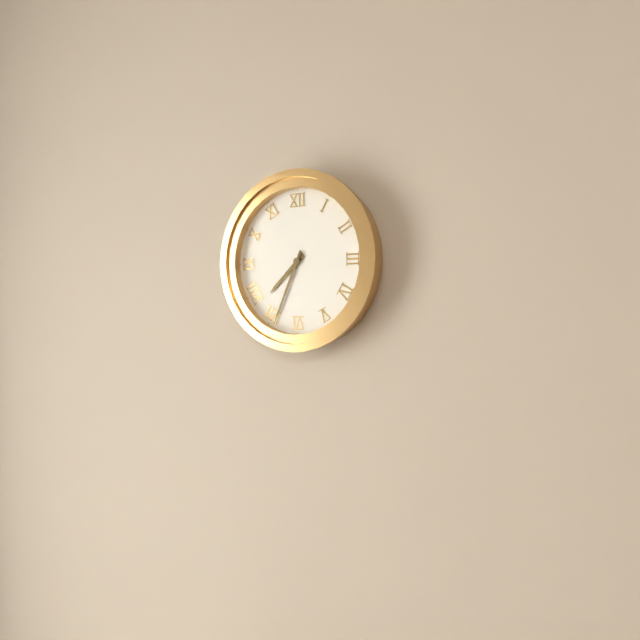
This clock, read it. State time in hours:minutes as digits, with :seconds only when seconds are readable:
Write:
7:34
